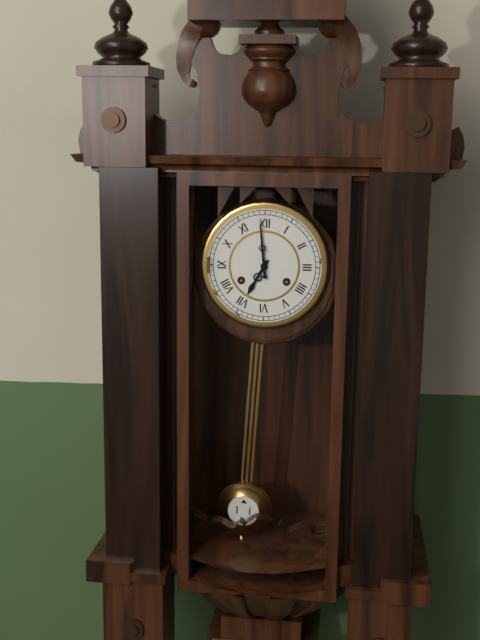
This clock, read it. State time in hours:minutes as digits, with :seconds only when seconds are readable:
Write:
6:59
